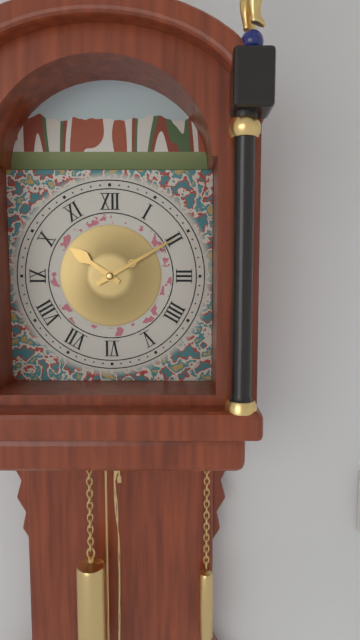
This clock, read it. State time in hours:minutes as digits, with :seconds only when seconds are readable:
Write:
10:10
